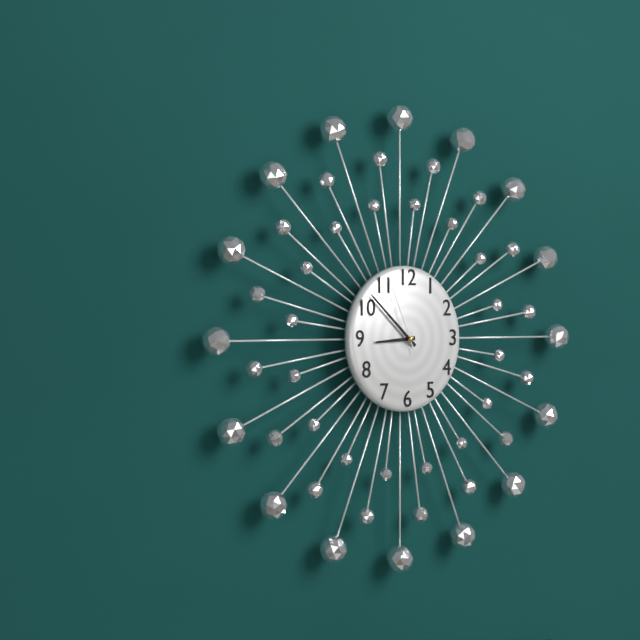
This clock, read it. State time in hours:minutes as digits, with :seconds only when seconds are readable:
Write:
8:52:56
